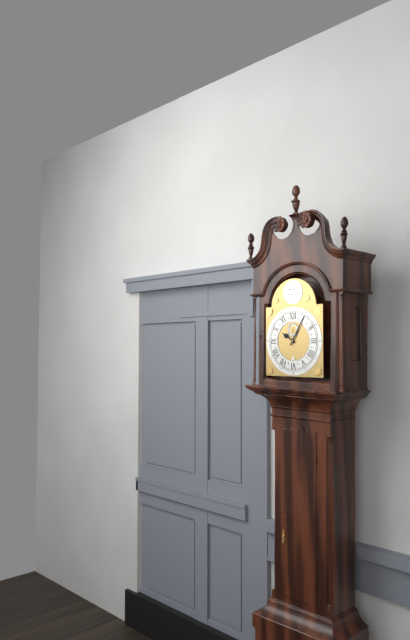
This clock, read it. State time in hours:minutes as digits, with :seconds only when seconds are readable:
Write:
10:05
